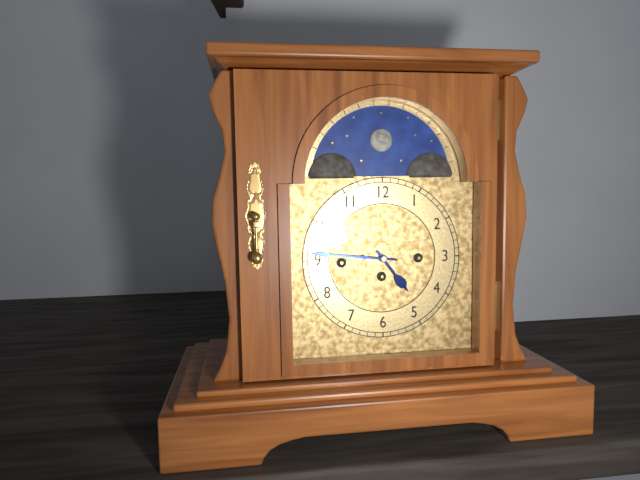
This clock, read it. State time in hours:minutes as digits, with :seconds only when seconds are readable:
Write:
4:46
